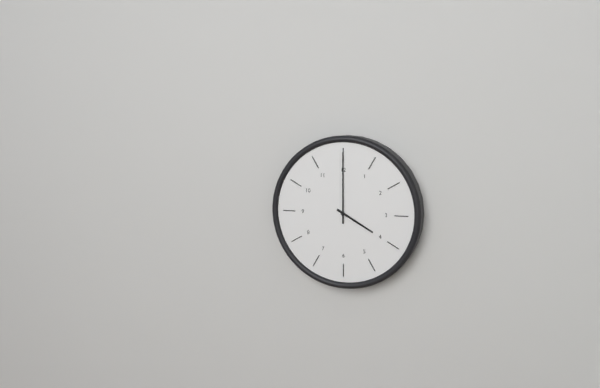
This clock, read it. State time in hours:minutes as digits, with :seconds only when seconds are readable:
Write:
4:00
